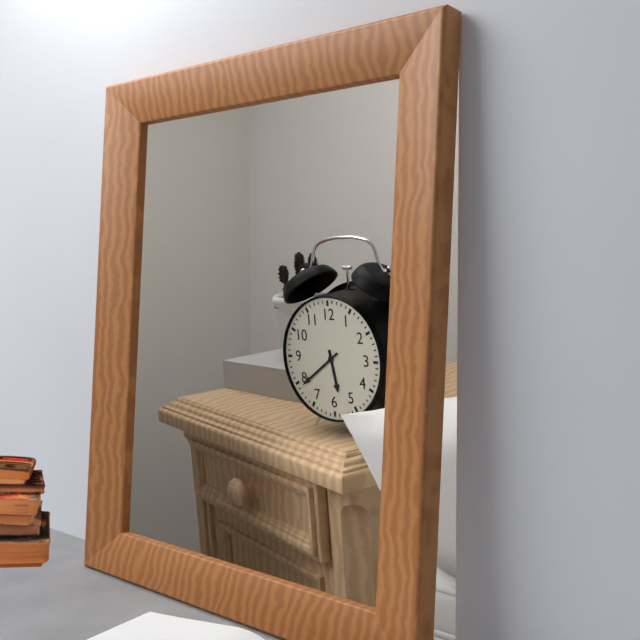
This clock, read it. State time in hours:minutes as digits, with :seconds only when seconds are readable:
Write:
5:39
